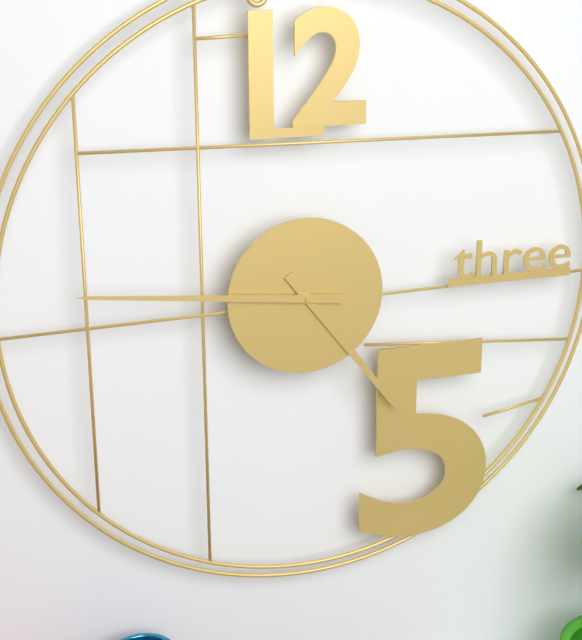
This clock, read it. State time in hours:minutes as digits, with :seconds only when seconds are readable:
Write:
4:46
